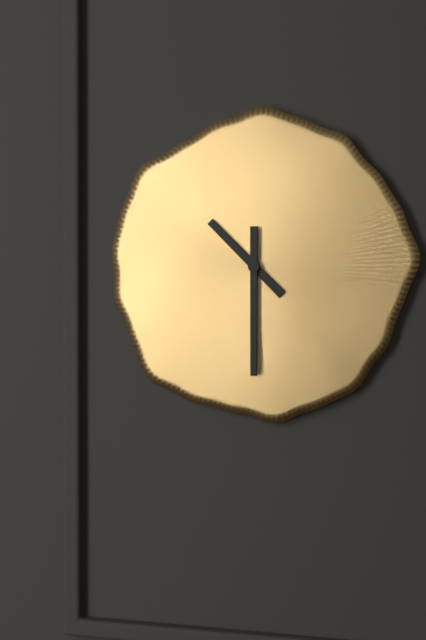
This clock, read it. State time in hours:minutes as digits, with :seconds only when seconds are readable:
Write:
10:30
